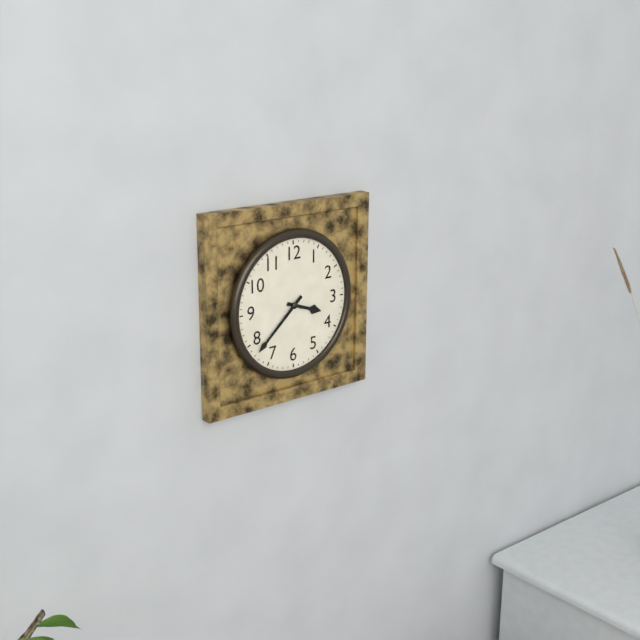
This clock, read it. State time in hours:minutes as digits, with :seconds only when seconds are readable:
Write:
3:38
